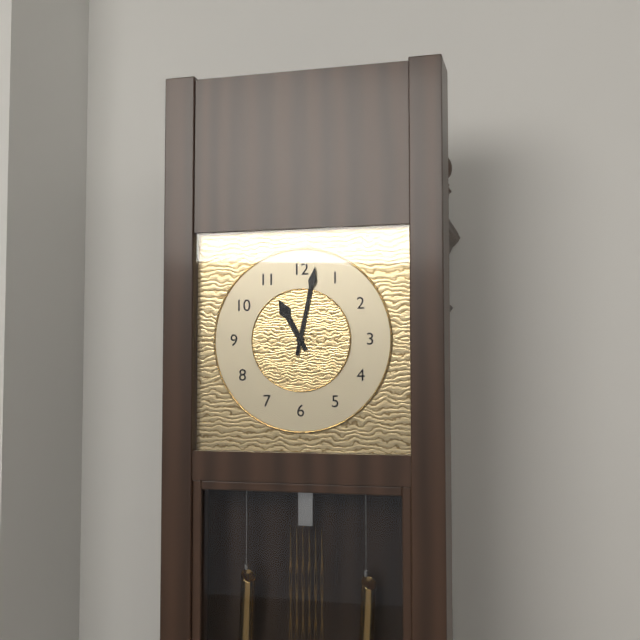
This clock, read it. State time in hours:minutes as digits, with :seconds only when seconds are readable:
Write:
11:02
